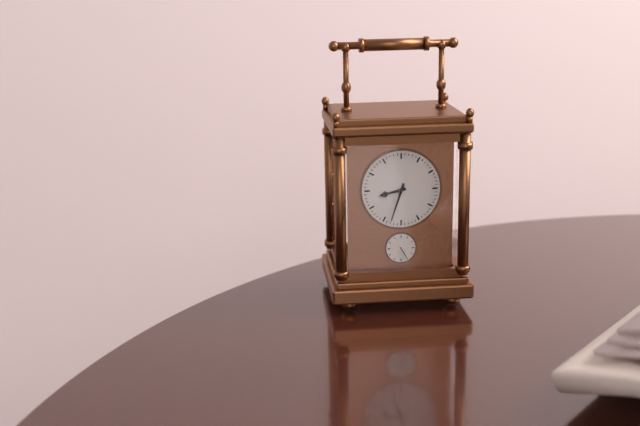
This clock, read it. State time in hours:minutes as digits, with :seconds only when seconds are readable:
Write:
8:33
